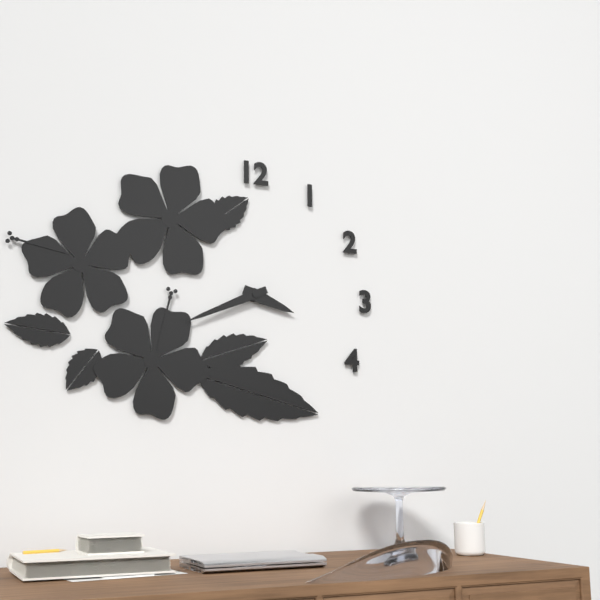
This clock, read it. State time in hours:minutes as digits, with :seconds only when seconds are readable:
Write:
3:41
